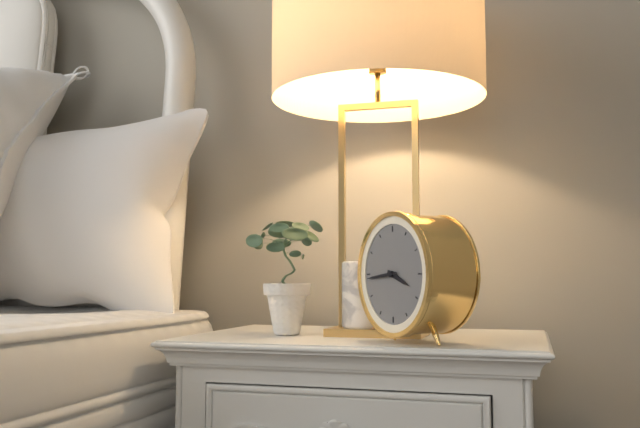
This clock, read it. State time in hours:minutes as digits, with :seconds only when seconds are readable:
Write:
3:44
